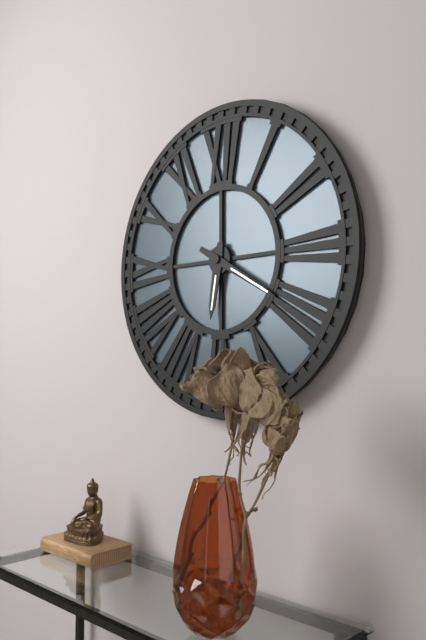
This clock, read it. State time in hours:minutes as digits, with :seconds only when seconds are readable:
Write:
6:20
